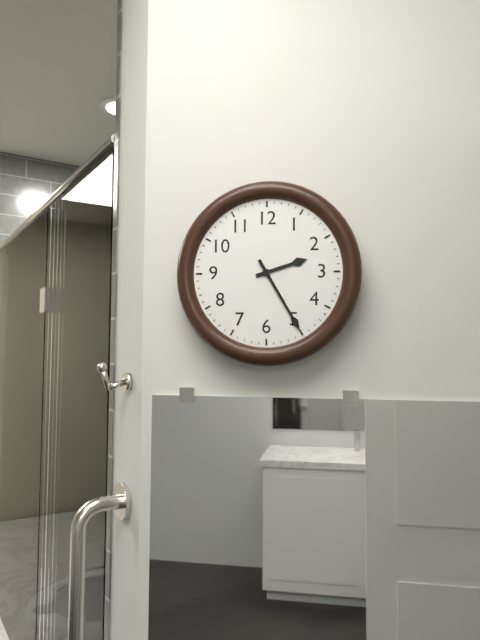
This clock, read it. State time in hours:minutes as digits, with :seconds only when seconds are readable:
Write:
2:25
